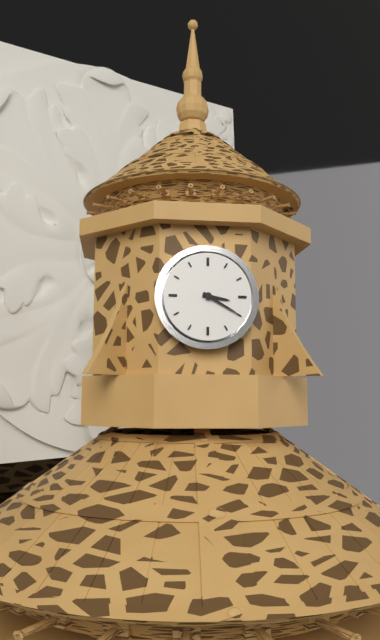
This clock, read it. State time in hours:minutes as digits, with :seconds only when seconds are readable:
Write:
3:20
